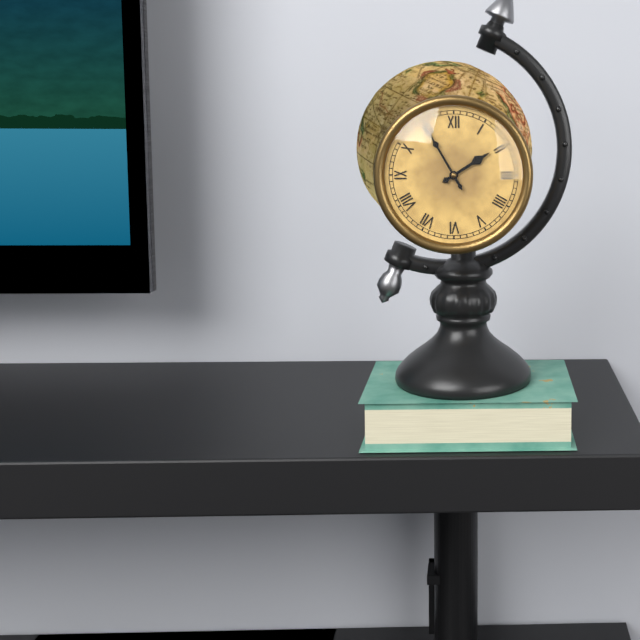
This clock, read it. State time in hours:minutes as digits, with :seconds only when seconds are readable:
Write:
1:55
